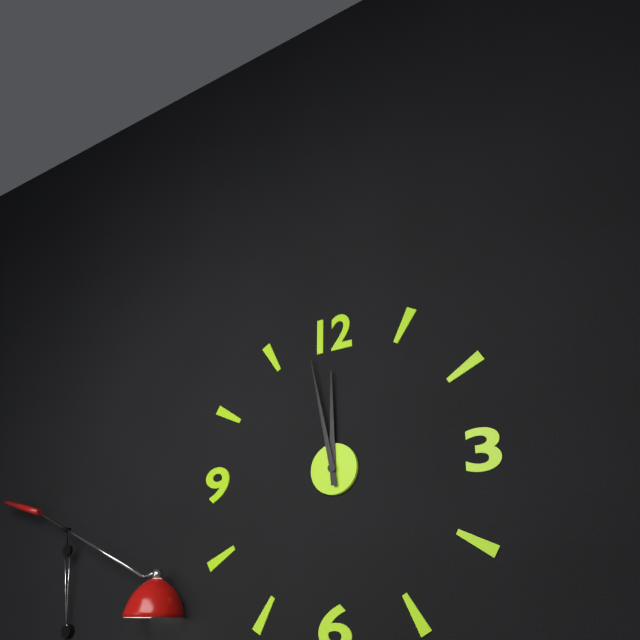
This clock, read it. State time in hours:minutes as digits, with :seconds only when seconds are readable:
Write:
11:58
